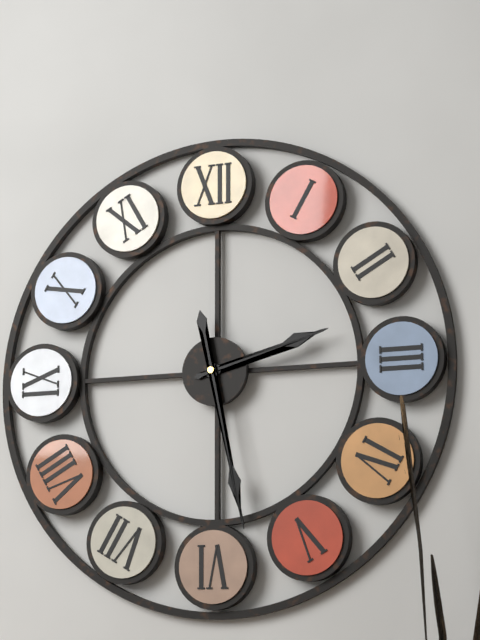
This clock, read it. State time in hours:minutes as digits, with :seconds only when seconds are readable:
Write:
2:28
